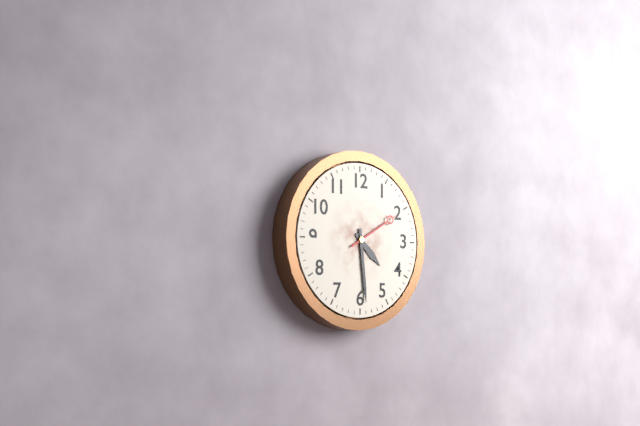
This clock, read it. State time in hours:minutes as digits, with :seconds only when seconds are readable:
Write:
4:29:10
